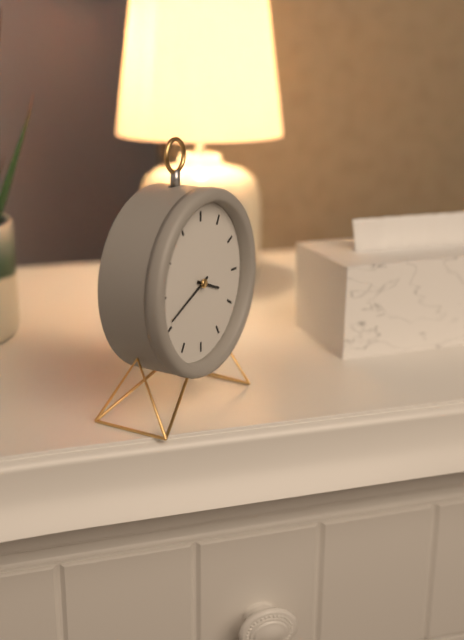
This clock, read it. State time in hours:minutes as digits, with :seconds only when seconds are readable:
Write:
3:41
